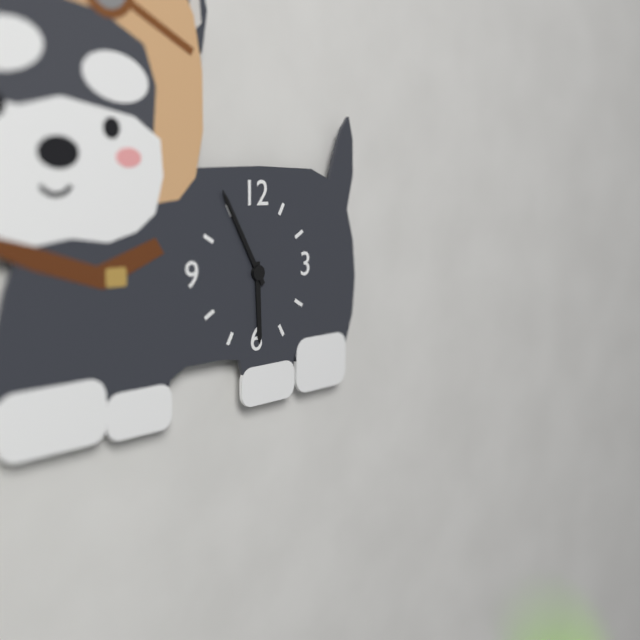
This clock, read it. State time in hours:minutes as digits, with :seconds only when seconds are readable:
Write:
5:55
